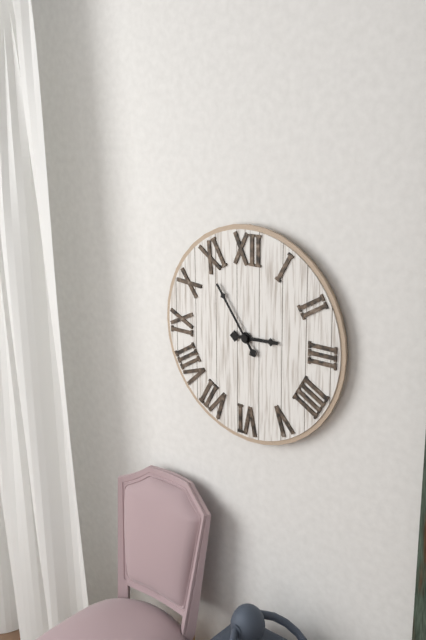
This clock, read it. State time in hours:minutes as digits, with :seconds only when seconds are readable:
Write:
2:54
